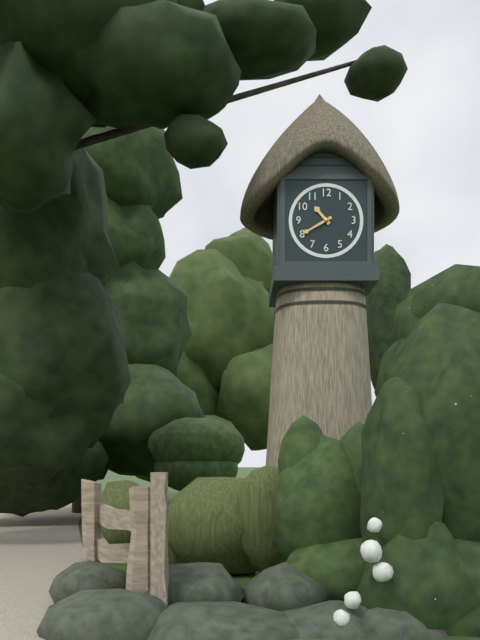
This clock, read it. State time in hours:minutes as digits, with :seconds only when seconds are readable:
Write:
10:40
